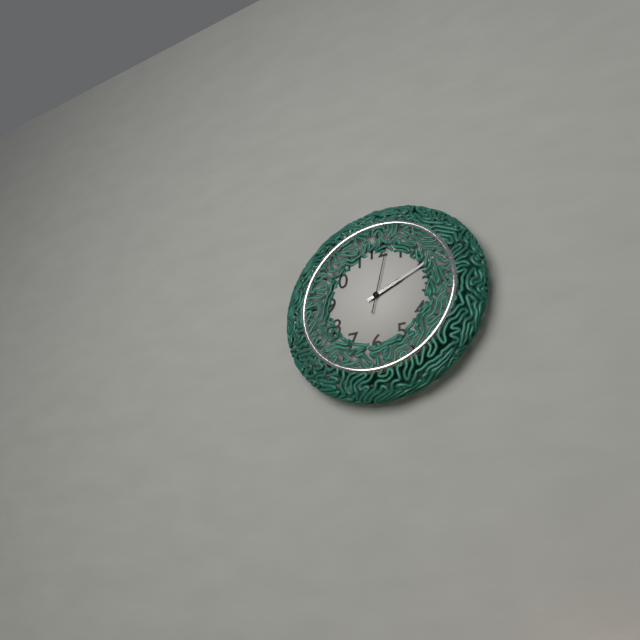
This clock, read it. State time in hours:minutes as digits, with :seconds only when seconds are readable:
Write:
2:11:02
